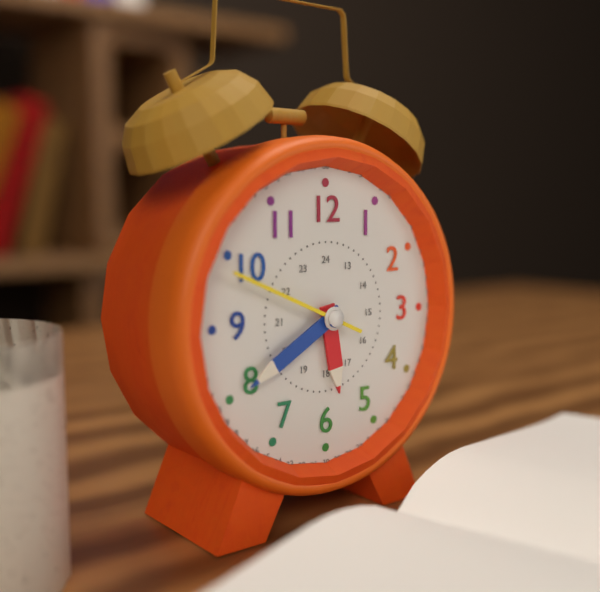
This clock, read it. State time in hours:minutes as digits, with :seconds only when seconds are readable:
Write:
5:40:49
